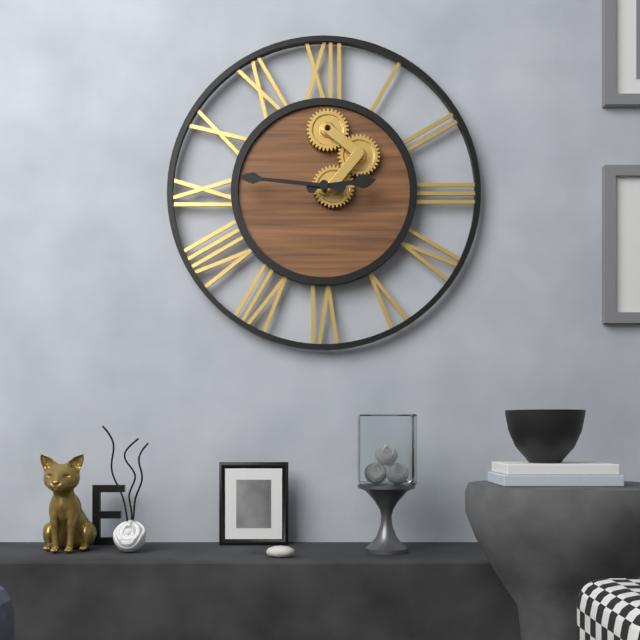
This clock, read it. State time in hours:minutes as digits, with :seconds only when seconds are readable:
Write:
2:46
